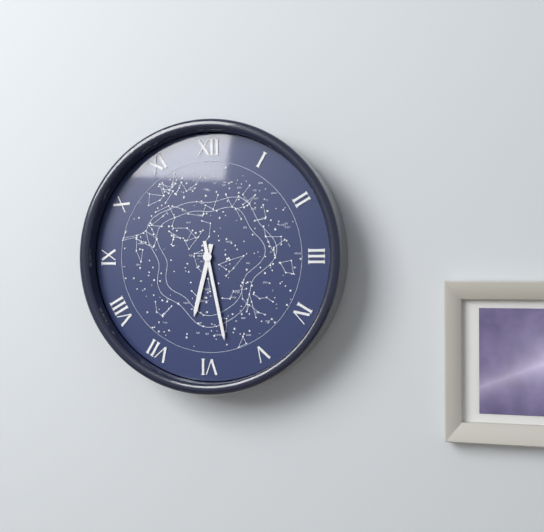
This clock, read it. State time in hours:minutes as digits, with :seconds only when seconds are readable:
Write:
6:28
